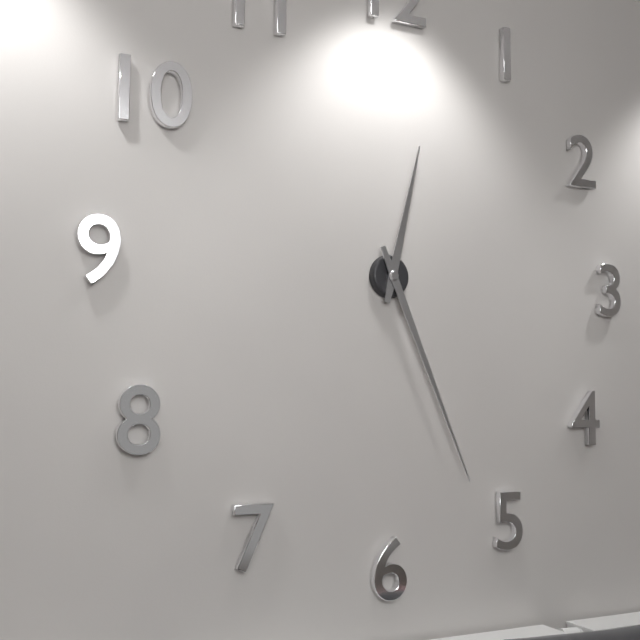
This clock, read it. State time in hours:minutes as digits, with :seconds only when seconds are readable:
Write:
12:26
